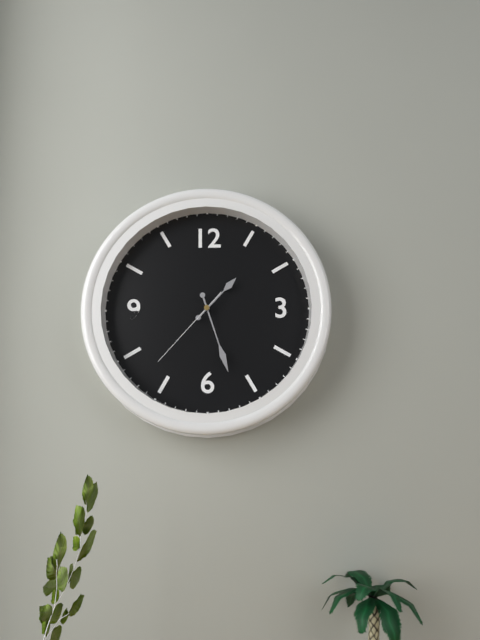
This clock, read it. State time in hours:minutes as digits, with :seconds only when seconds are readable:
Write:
1:27:37
